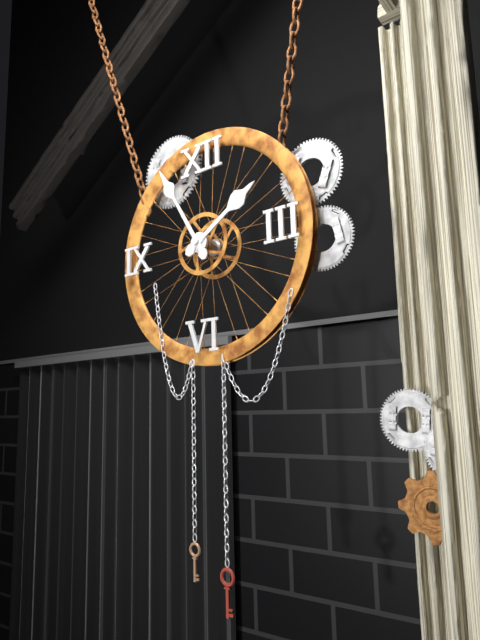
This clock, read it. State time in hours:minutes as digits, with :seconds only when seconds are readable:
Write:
1:55
